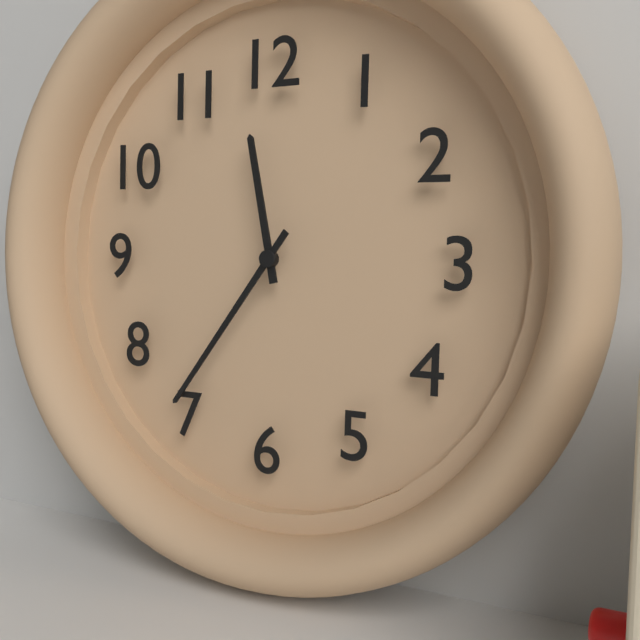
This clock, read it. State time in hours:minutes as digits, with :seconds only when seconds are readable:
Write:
11:36
